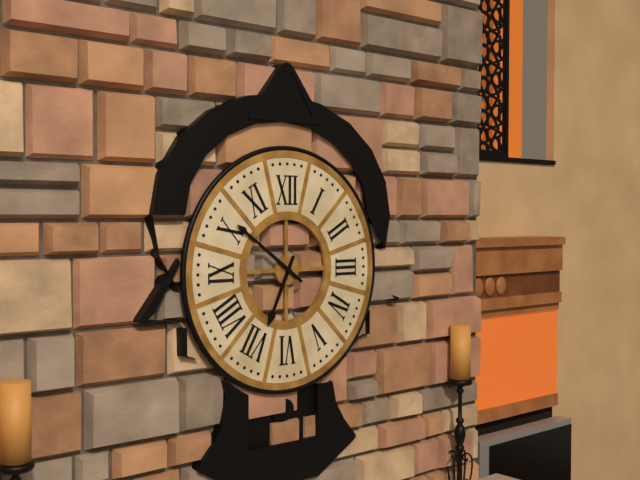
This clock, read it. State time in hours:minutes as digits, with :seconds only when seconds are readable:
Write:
6:51
